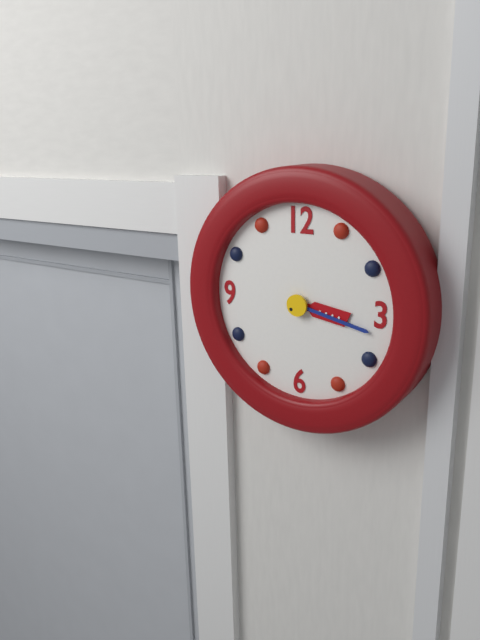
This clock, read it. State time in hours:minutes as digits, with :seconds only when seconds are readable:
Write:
3:17
